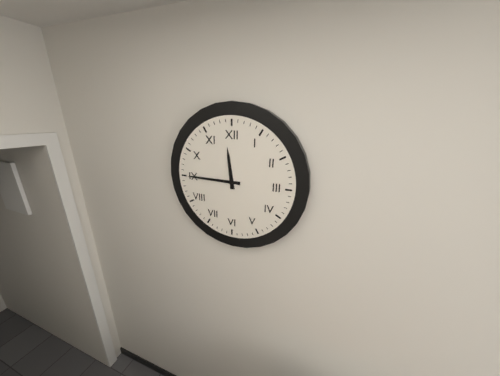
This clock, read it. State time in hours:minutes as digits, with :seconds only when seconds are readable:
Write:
11:45
